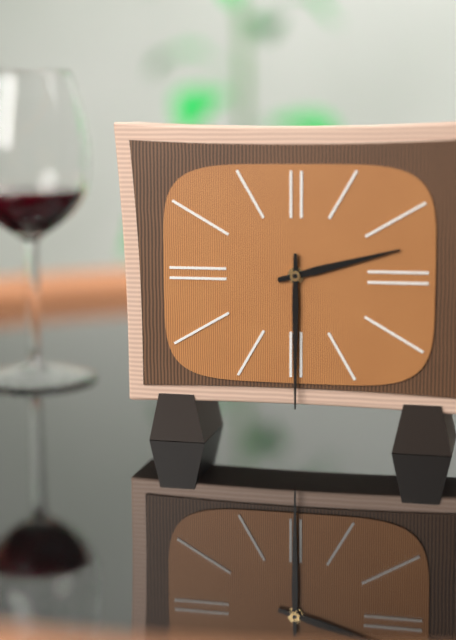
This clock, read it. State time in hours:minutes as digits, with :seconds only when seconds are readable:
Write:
2:30
